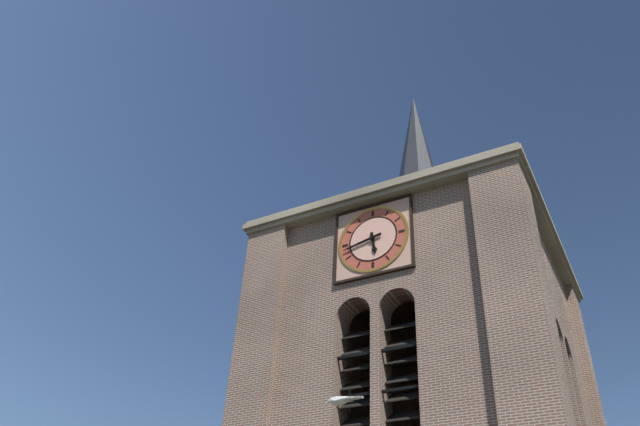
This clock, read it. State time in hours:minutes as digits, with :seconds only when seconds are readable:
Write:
5:43
